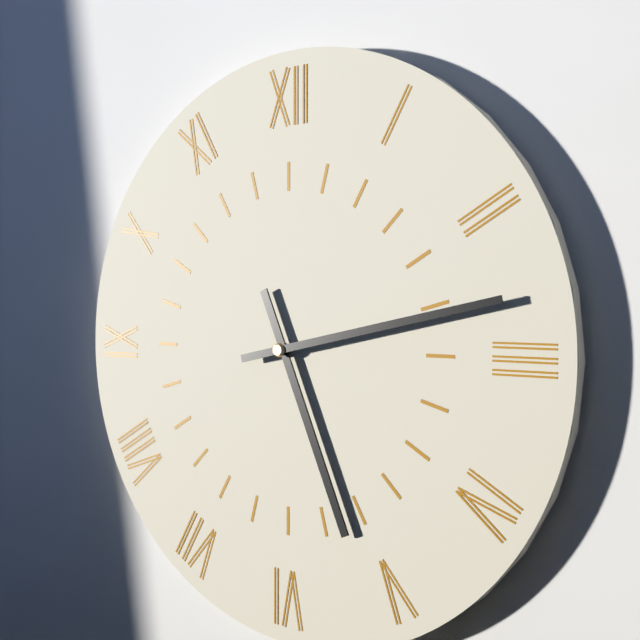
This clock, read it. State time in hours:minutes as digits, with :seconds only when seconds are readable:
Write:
5:13
